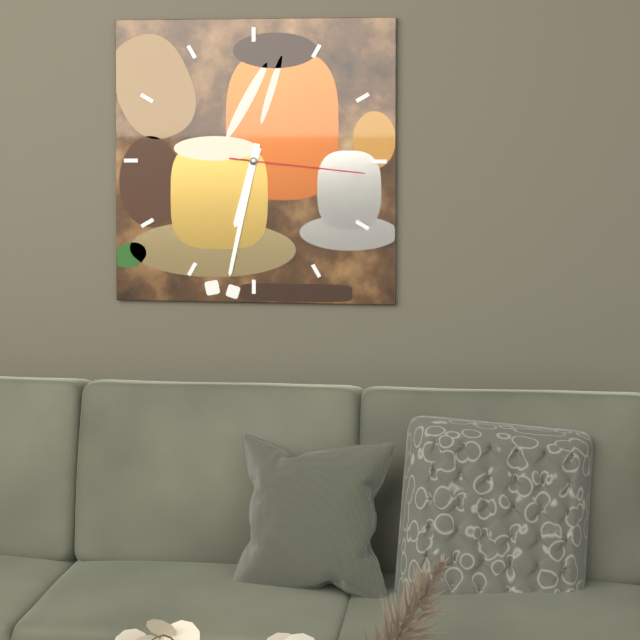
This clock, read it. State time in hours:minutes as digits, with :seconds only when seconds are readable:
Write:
6:32:16
